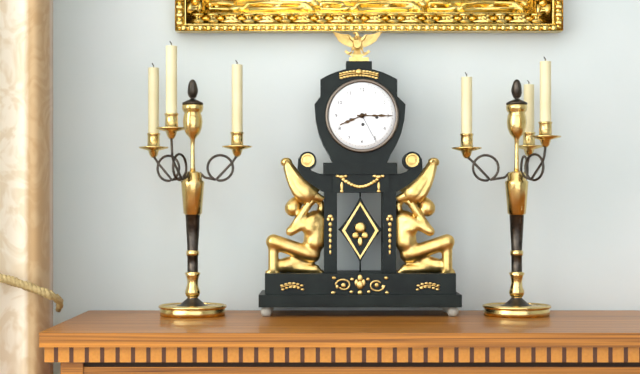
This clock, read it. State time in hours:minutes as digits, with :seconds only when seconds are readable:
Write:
8:15
